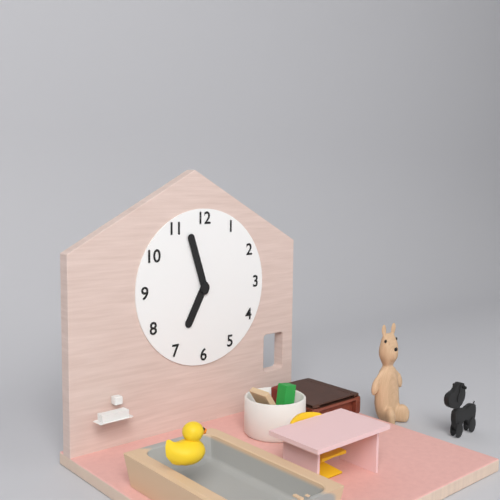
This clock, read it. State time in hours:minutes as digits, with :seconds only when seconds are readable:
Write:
6:57
